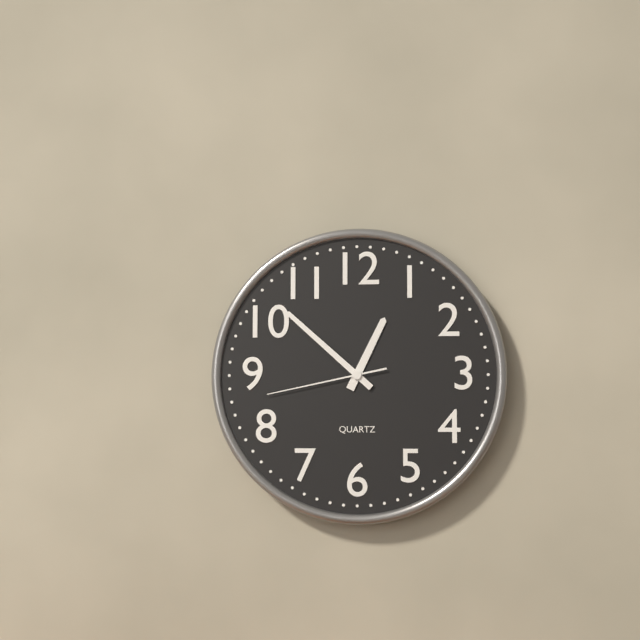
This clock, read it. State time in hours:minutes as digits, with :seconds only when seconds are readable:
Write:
12:52:43
